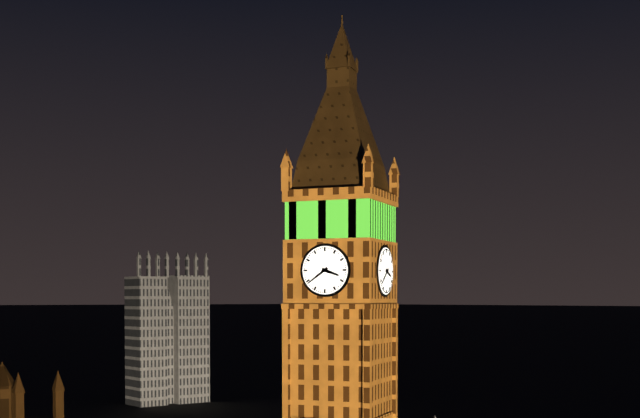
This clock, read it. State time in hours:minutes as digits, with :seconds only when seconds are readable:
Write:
3:39
